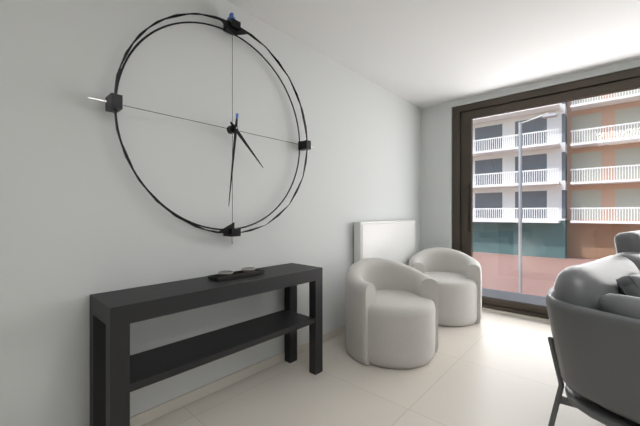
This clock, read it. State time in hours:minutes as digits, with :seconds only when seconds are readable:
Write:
4:31
